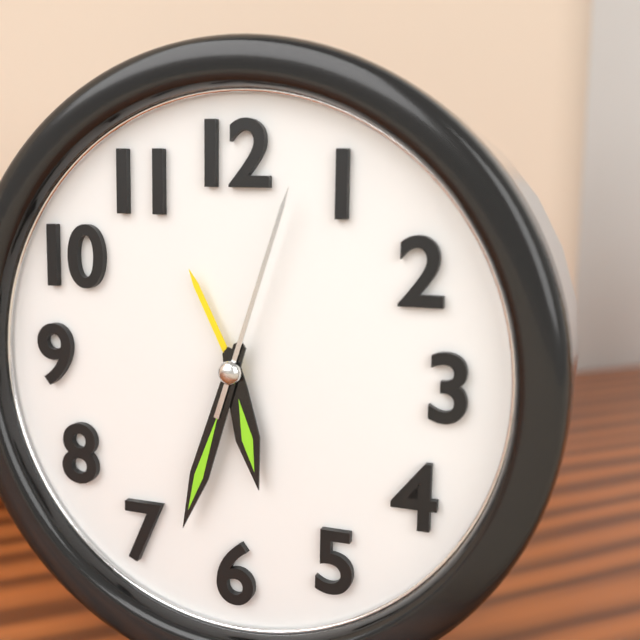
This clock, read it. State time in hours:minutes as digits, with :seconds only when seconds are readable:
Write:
5:33:03
